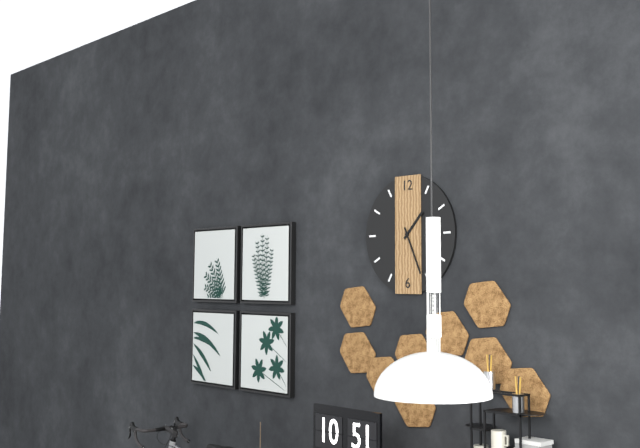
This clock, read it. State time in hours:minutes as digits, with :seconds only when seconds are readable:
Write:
1:26
